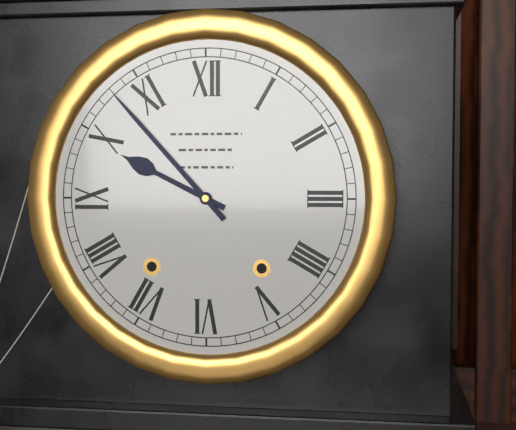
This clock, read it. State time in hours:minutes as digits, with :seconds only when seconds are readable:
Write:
9:53
